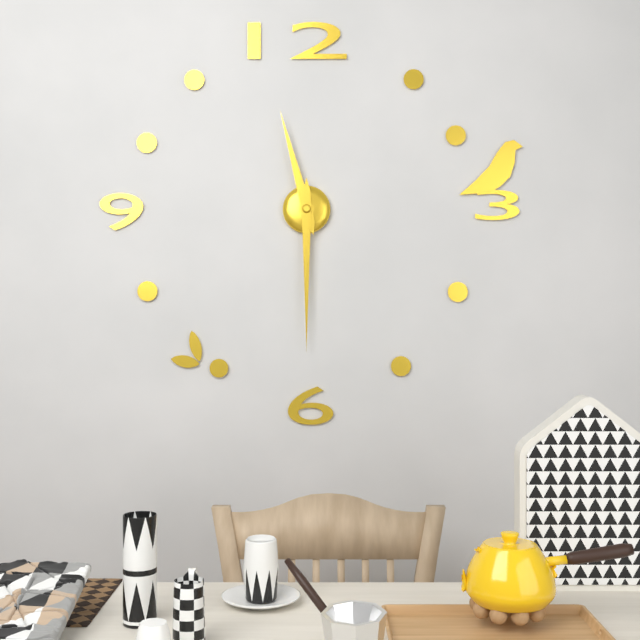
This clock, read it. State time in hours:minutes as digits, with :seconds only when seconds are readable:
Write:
11:30
